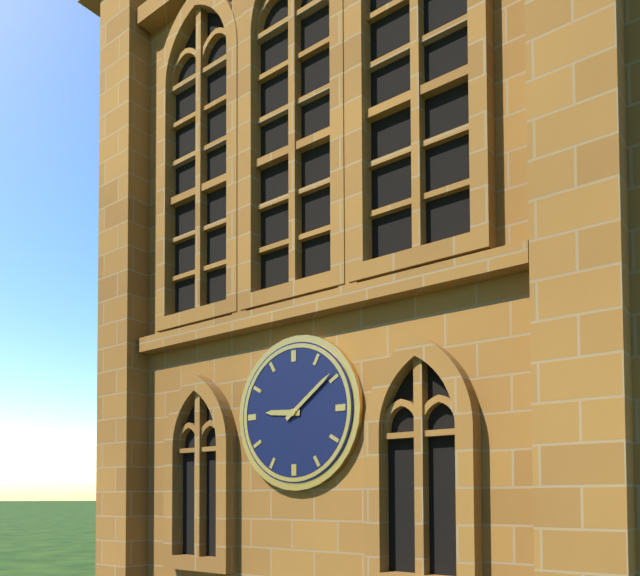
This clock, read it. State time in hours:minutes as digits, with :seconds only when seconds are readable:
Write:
9:09
